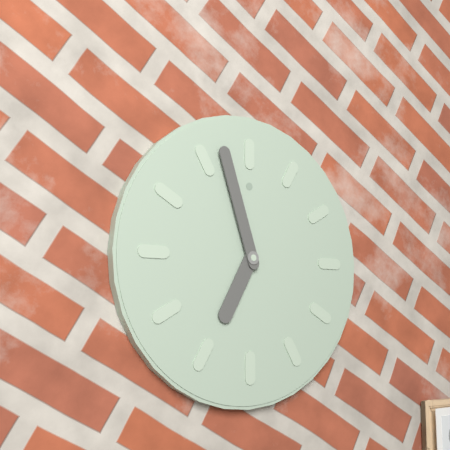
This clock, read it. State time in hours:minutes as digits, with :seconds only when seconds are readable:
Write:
6:57
